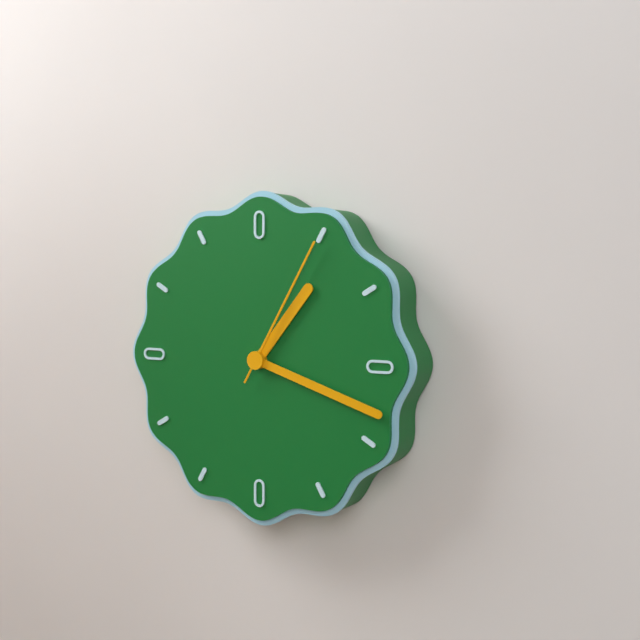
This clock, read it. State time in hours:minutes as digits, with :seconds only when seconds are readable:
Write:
1:18:05
